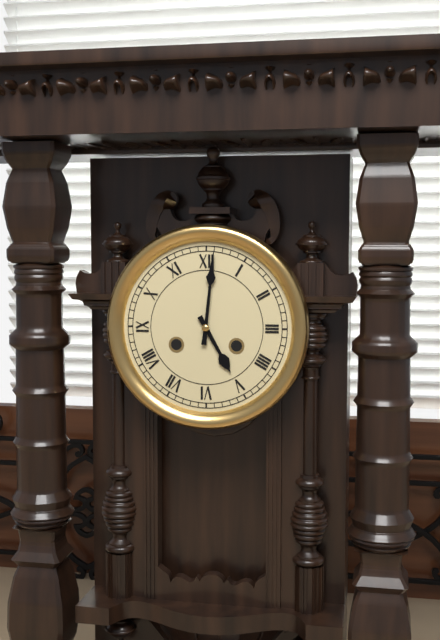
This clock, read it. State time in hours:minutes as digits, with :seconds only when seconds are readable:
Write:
5:01
